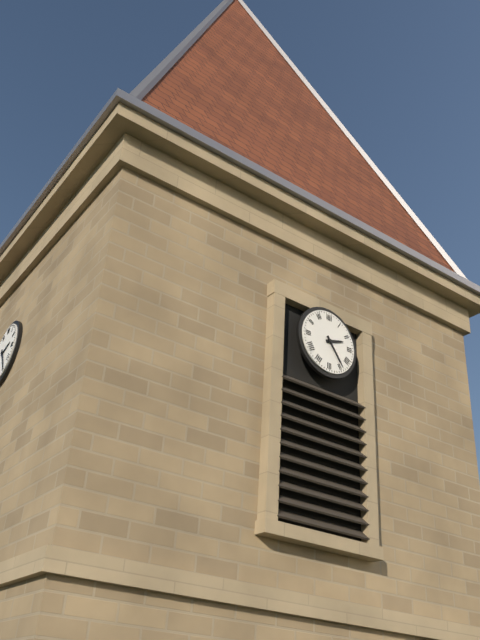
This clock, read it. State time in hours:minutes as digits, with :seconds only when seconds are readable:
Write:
2:24
